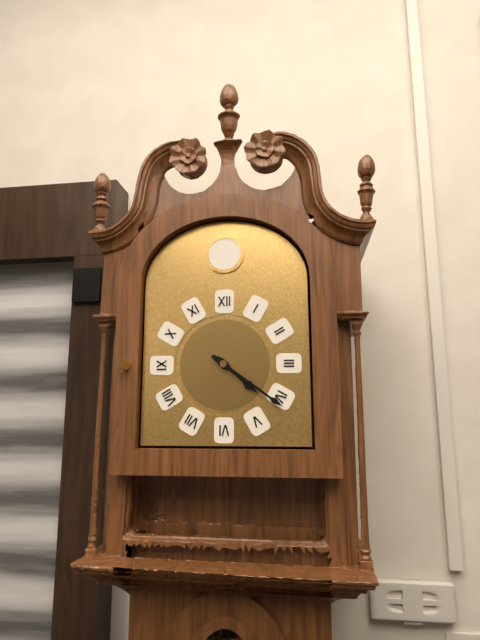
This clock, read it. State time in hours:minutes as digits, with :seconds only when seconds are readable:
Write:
4:21
